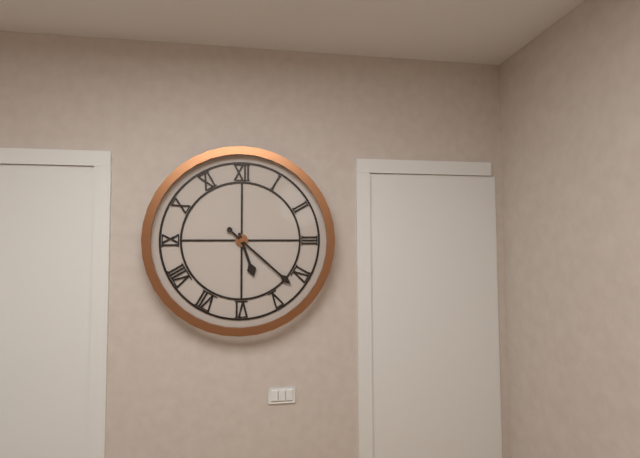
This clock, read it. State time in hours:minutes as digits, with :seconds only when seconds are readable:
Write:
5:22
